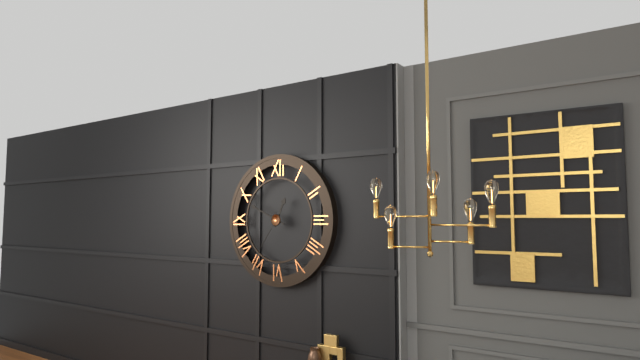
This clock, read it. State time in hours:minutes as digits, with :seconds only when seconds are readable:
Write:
12:49
